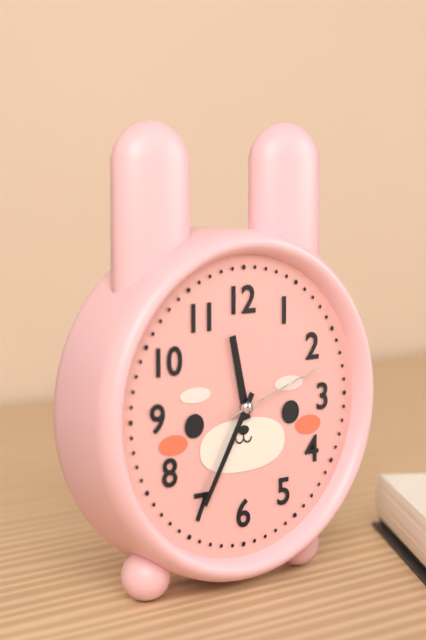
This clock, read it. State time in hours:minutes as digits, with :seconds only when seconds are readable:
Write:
11:35:12
